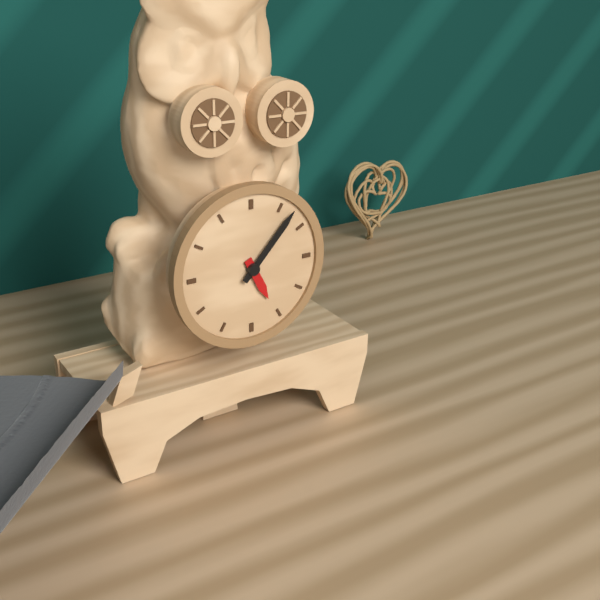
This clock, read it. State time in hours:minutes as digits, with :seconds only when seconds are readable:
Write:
5:07
